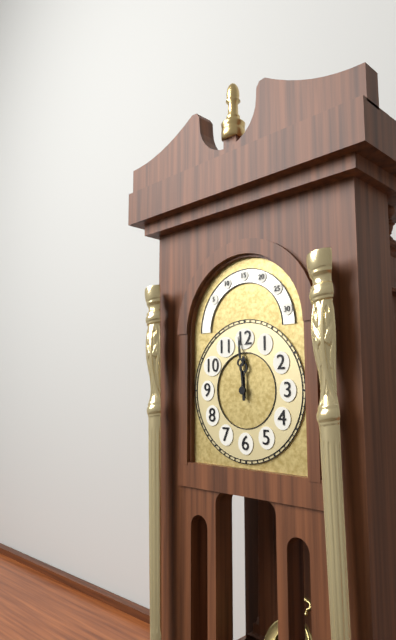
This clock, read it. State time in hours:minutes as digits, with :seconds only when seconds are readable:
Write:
11:59
